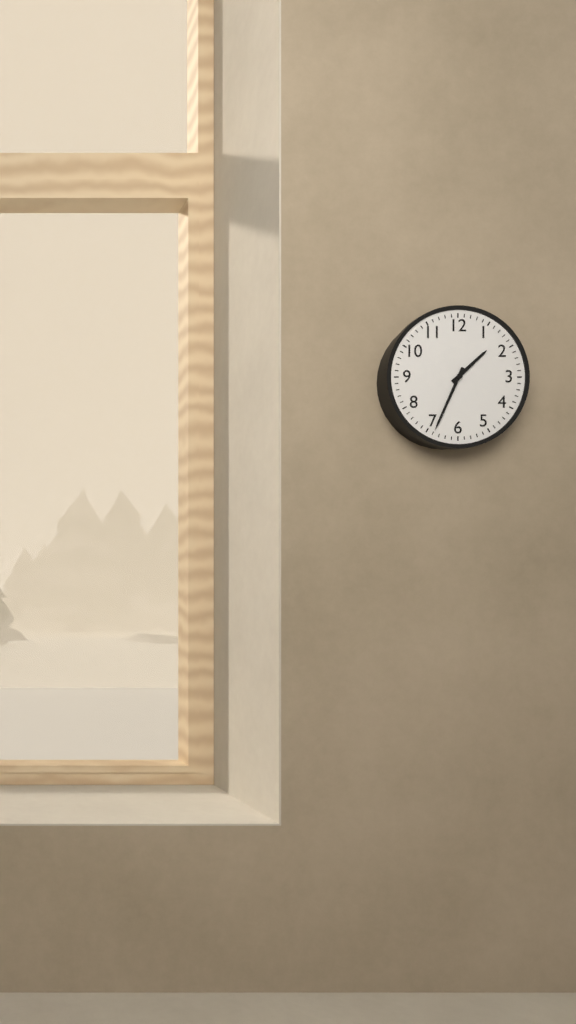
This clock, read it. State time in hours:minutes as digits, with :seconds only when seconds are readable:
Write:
1:34
